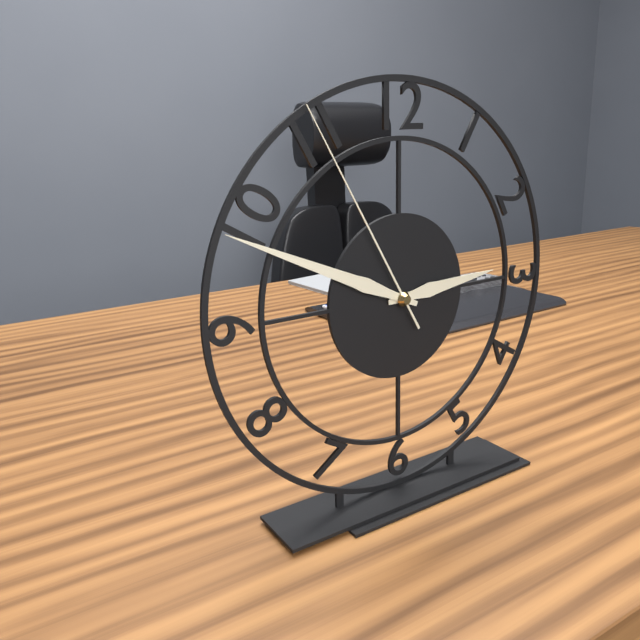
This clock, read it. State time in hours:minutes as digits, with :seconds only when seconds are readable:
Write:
2:49:55
